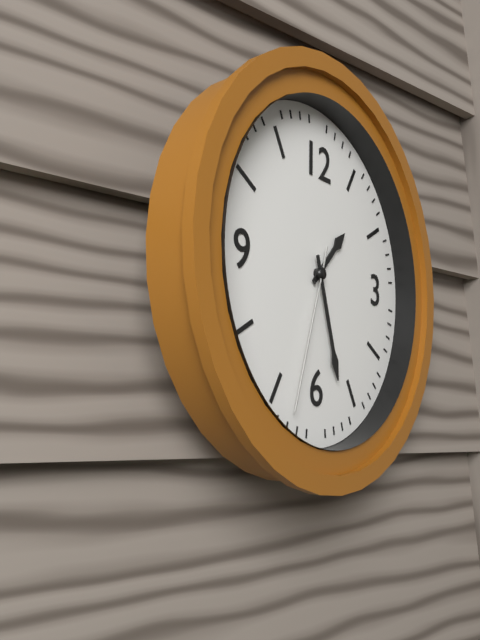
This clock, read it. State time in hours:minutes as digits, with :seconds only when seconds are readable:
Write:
1:27:33
